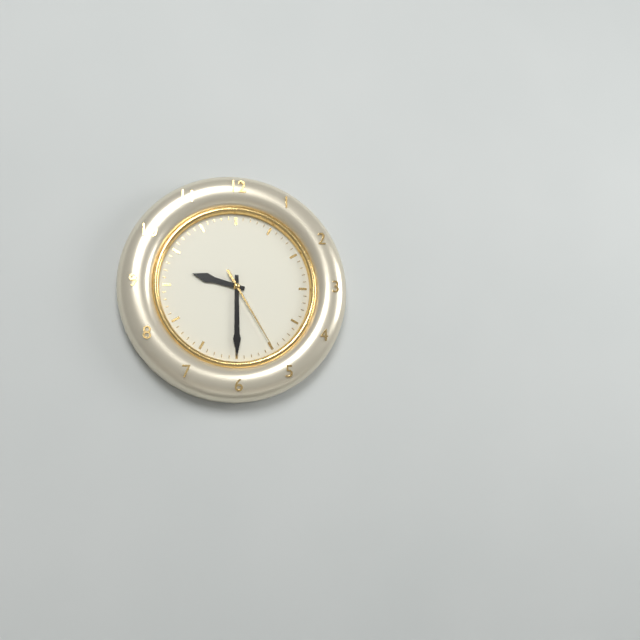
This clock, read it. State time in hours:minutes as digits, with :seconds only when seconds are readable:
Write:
9:30:25
